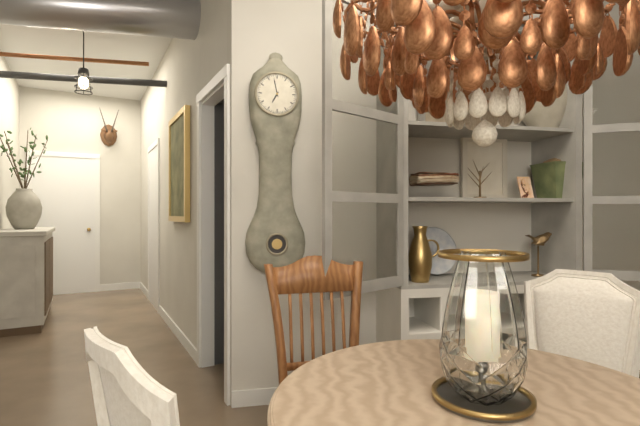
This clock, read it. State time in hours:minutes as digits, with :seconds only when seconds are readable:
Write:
6:58
